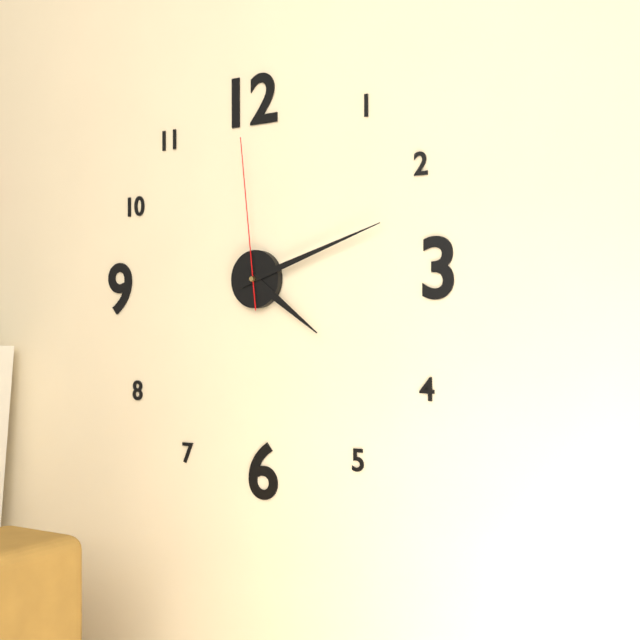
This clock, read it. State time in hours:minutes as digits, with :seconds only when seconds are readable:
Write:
4:12:59
